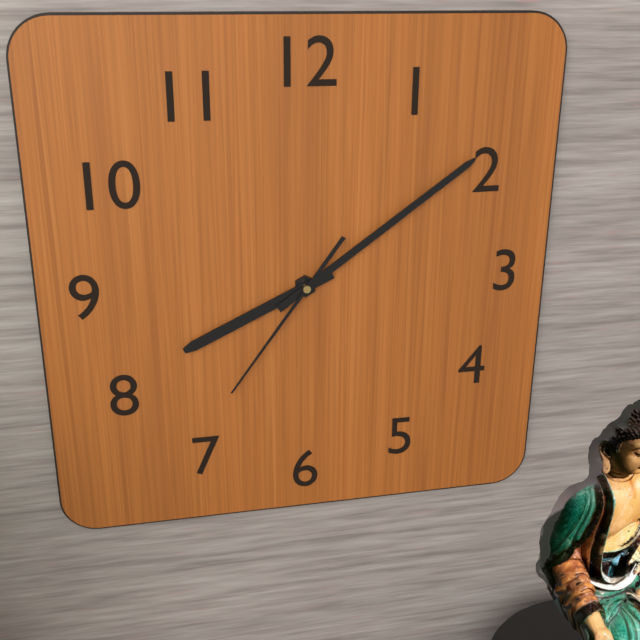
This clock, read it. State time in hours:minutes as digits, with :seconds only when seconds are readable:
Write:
8:09:36
